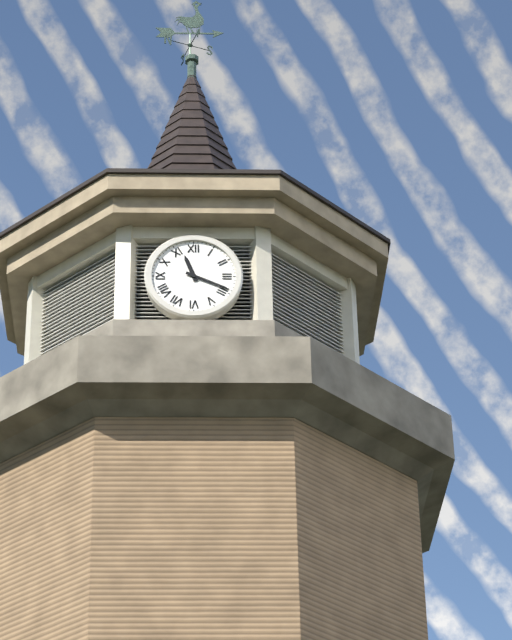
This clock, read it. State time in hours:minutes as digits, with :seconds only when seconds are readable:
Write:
11:19
